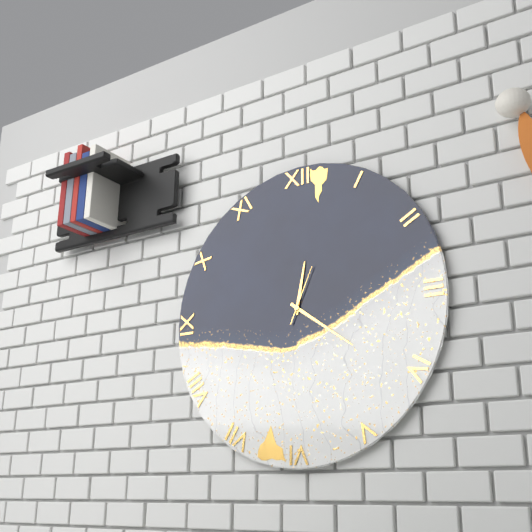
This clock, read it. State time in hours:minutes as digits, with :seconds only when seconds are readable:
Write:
12:21:04
